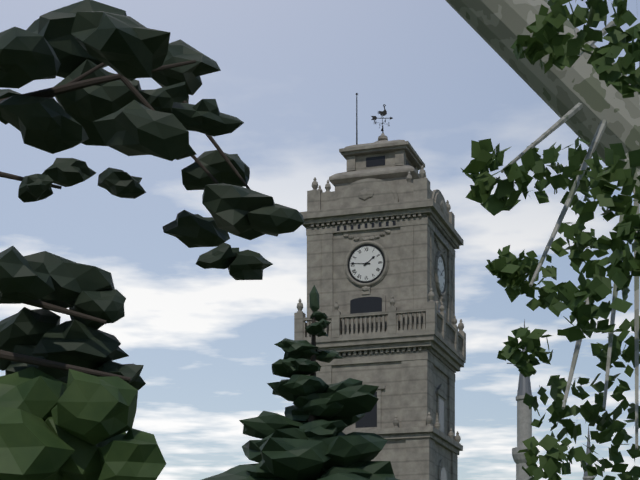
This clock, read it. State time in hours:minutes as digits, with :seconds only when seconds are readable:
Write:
1:46
